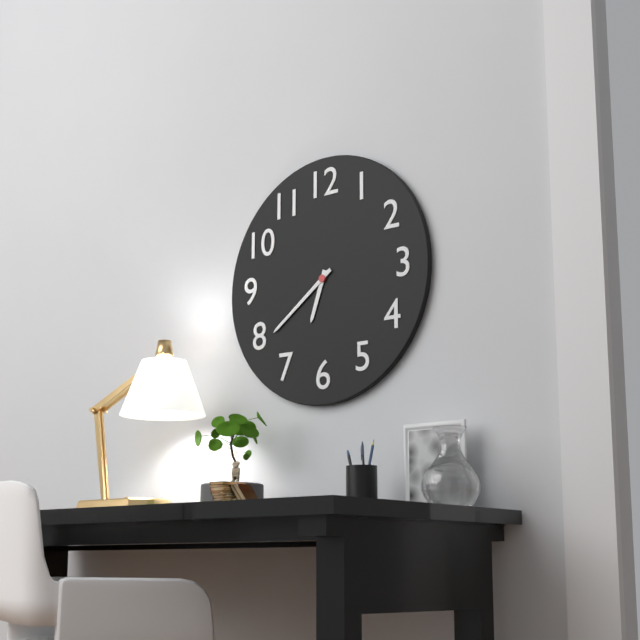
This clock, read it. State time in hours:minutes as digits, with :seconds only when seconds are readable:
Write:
6:39
